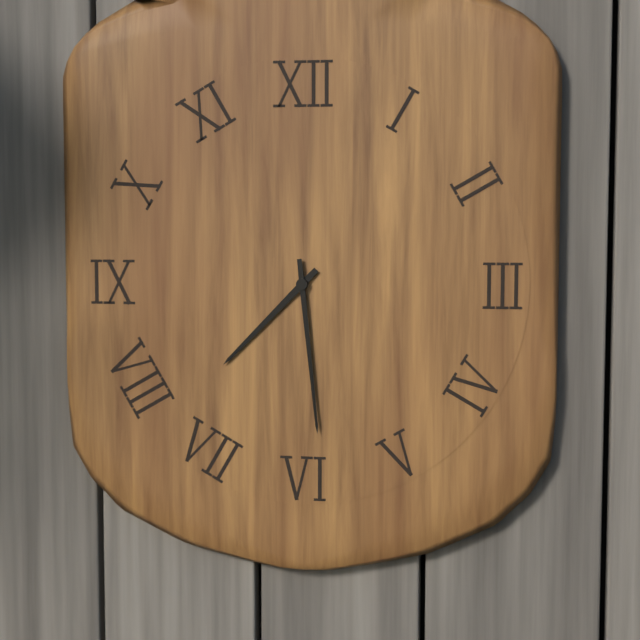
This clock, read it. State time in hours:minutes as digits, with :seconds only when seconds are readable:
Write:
7:29
